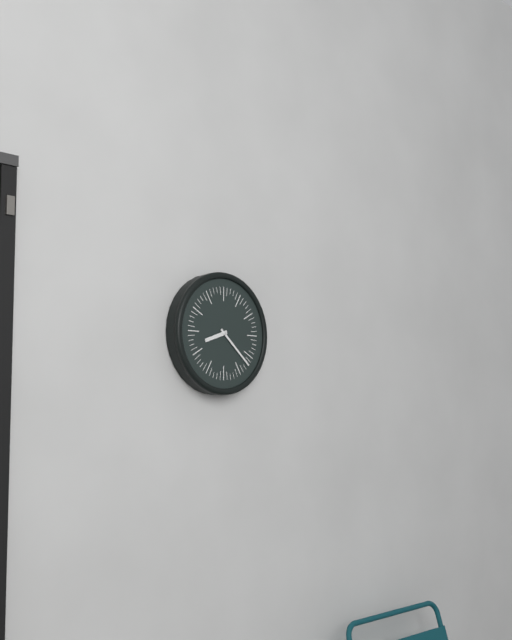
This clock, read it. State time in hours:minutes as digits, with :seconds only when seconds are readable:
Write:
8:22
